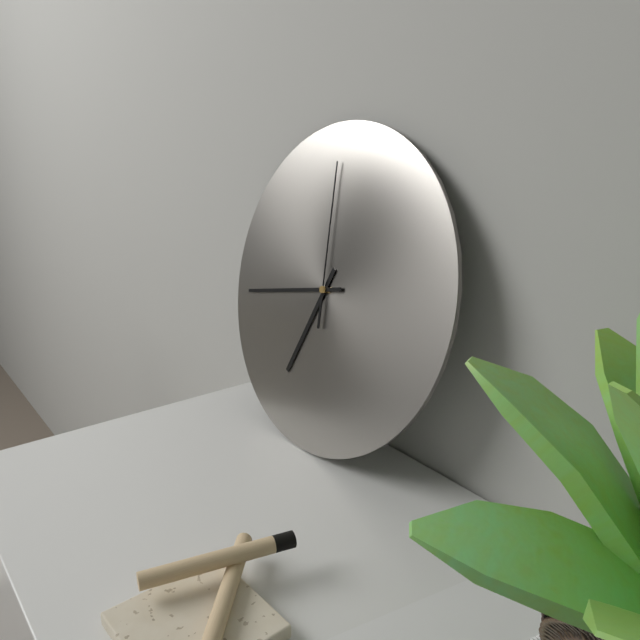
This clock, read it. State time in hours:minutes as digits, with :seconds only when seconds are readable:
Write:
6:43:59
